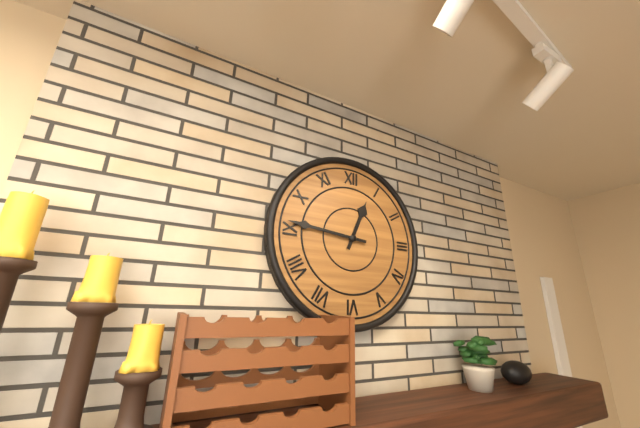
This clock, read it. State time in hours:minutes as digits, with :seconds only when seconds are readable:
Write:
12:46
